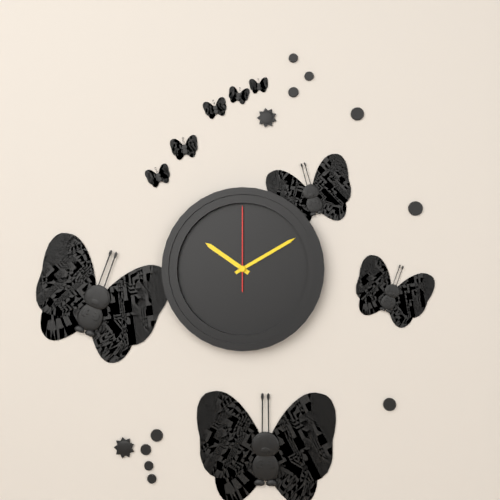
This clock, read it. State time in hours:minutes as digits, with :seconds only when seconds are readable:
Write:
10:10:00
